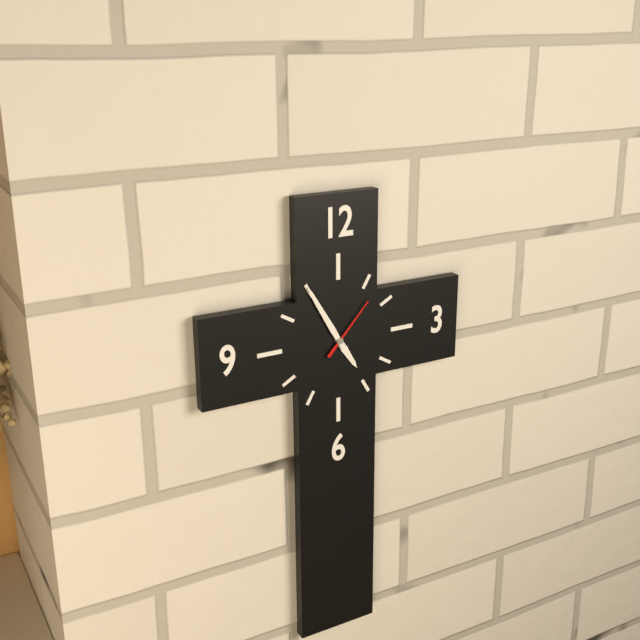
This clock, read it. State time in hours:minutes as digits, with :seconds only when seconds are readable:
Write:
4:55:07
